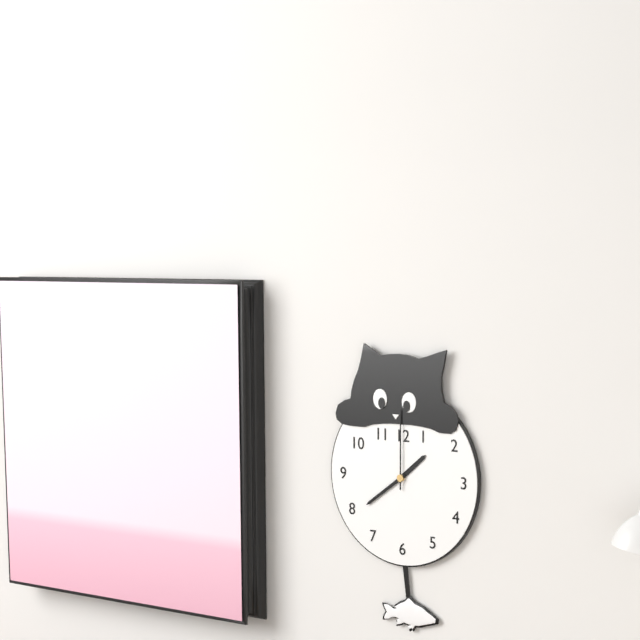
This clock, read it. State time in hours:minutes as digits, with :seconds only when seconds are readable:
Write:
1:39:00
